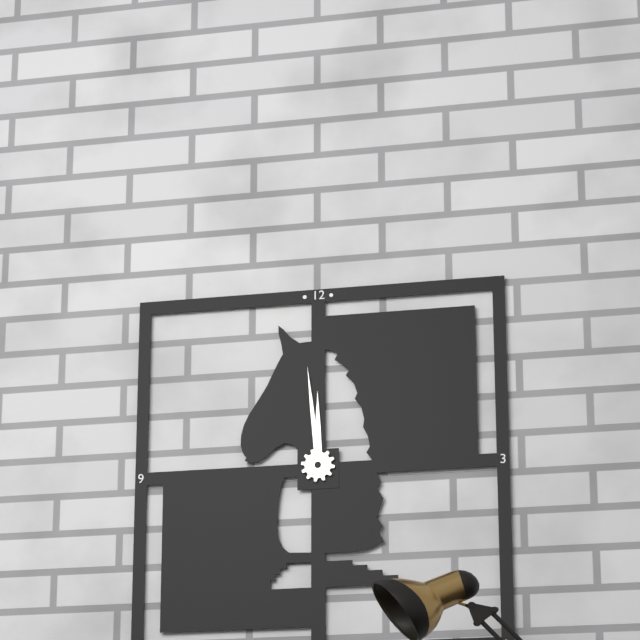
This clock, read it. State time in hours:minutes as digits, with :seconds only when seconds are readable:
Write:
11:59
